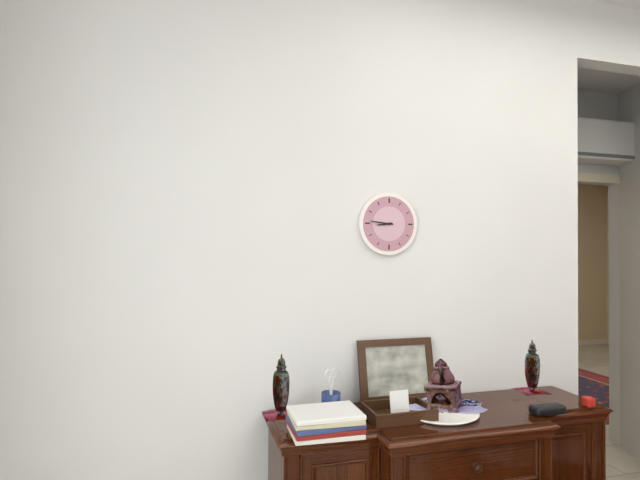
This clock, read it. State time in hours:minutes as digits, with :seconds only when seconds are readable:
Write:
8:46
